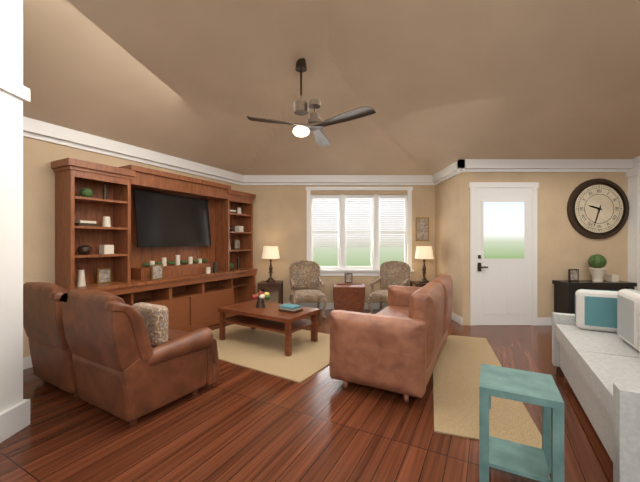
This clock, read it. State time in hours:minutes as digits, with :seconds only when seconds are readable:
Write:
9:33
